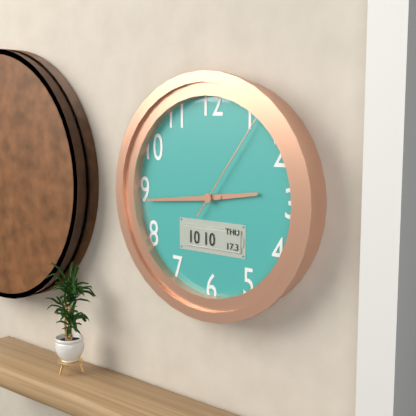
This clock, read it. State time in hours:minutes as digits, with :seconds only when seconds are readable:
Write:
2:44:06
